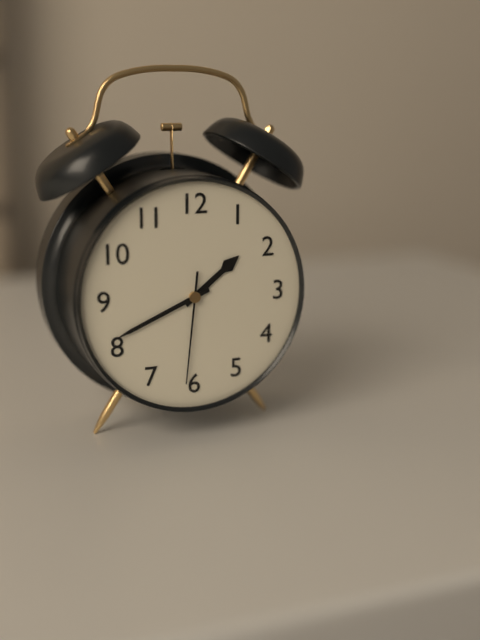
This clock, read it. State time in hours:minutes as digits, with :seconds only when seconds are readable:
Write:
1:41:31
